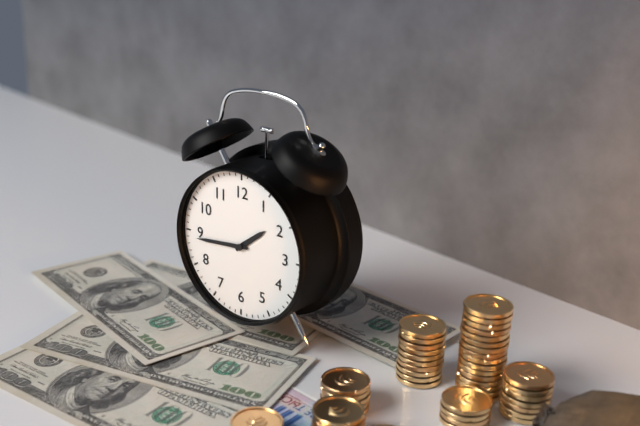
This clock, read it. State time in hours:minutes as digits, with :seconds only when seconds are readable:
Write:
1:44
